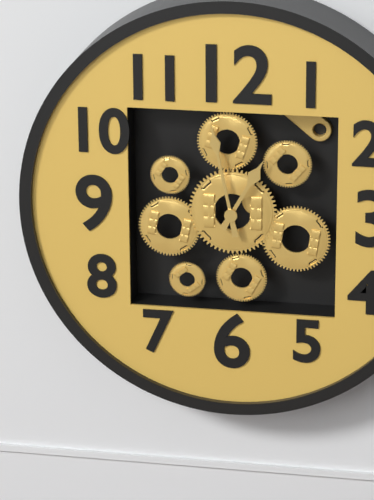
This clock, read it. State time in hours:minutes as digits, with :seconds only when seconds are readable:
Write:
12:58
